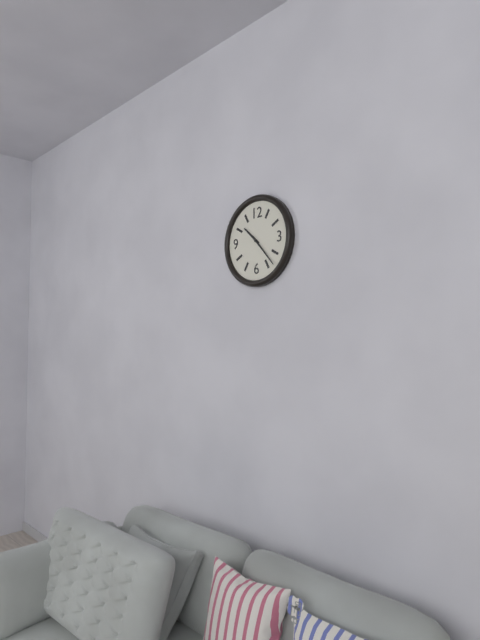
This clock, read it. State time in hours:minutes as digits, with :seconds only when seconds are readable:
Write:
10:23
